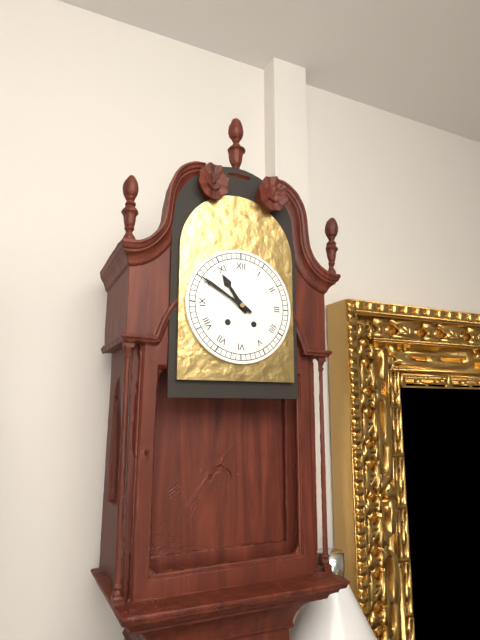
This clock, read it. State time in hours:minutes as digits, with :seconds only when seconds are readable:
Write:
10:50
